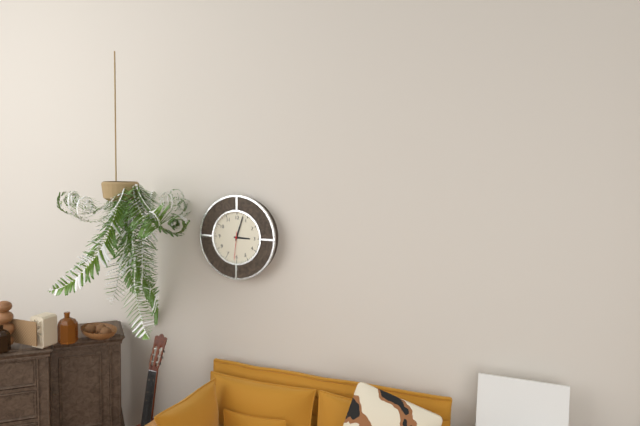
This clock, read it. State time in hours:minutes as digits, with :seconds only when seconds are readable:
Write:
3:03
